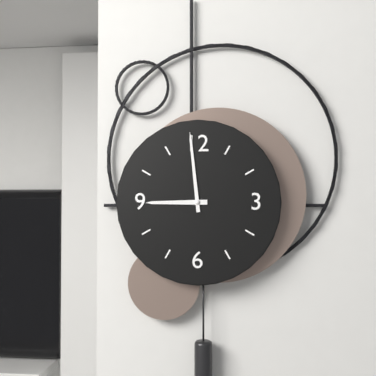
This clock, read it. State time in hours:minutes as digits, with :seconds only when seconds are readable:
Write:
8:59
